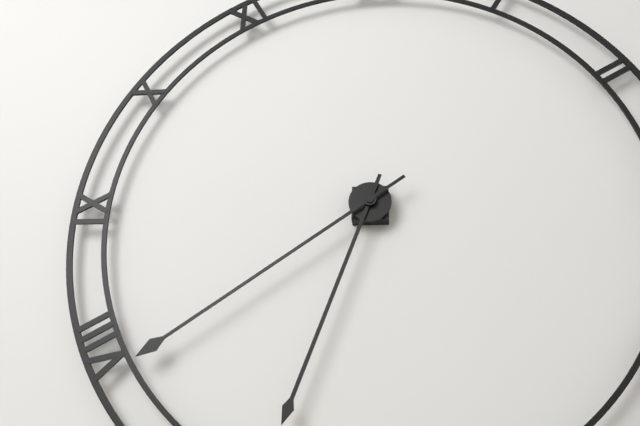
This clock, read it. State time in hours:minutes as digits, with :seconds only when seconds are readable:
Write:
6:39
